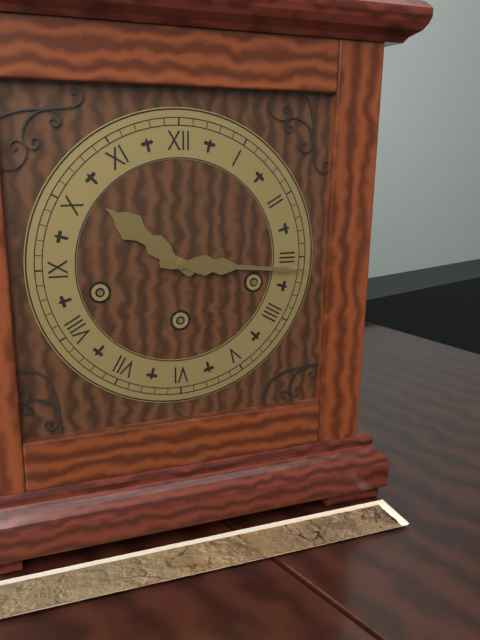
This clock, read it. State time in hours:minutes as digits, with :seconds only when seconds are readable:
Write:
10:16
